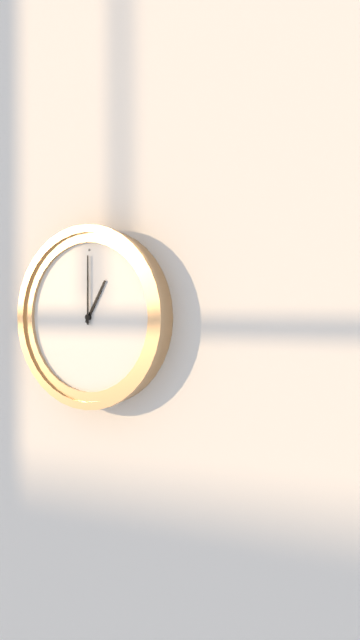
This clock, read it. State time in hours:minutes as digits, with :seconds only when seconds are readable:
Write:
1:00
